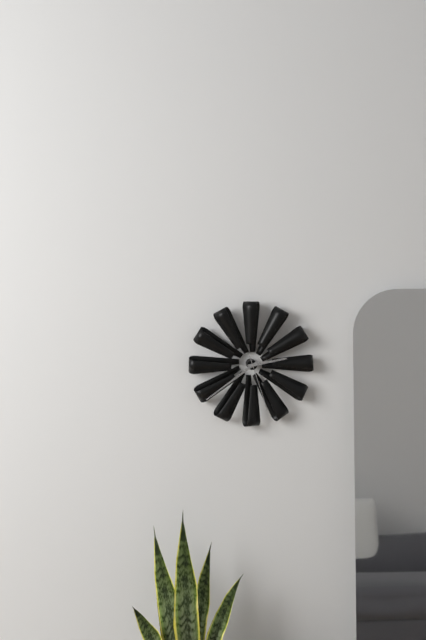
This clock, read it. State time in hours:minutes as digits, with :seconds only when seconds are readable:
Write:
2:39:27
